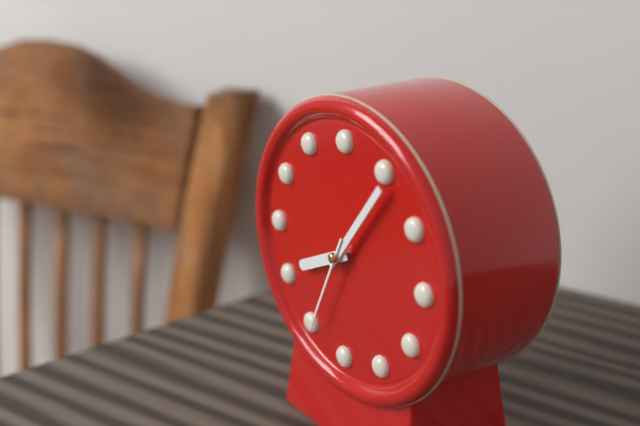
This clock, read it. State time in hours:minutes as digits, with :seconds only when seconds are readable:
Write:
8:06:34
